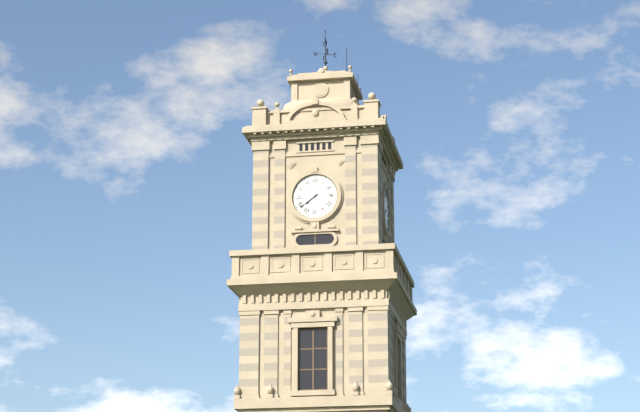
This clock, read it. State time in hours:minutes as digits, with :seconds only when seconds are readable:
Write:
7:39
